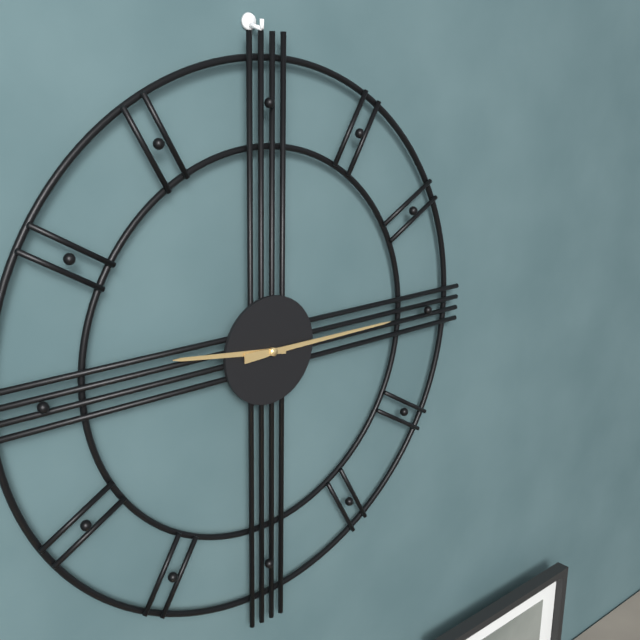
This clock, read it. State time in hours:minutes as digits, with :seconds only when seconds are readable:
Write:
9:15
